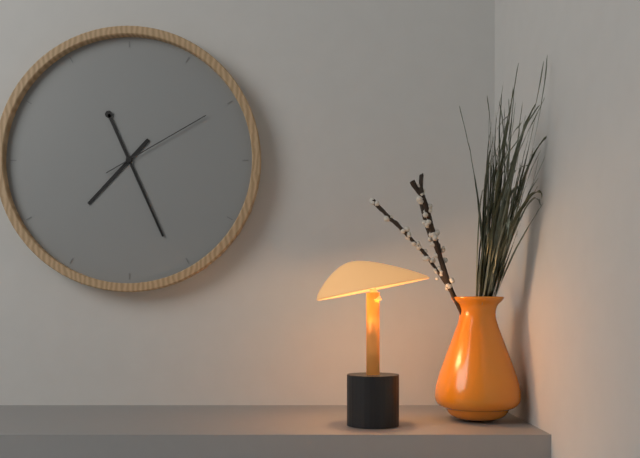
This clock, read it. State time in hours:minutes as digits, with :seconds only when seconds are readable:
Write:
7:26:10
